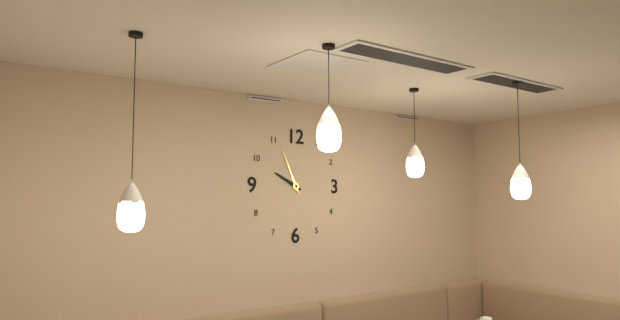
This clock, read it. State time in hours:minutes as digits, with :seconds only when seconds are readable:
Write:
9:56
